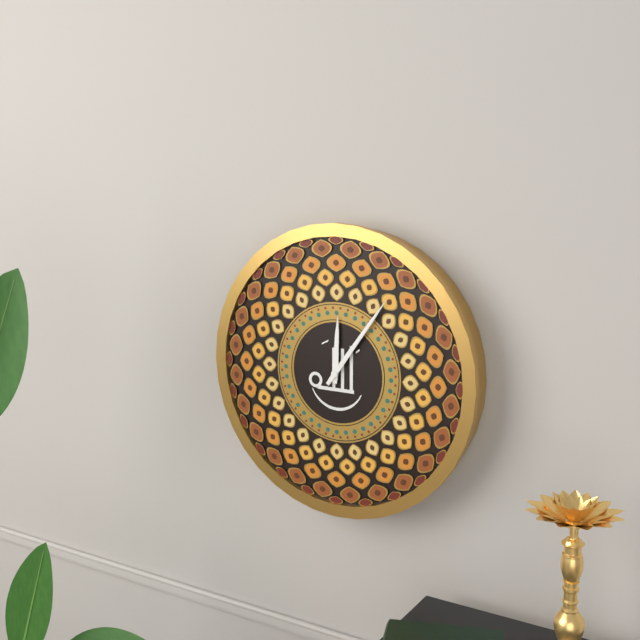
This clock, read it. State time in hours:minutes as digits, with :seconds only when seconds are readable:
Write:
12:06
